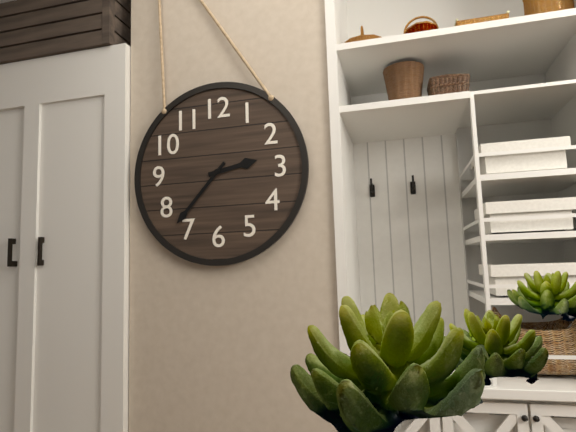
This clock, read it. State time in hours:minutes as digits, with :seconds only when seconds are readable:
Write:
2:37
